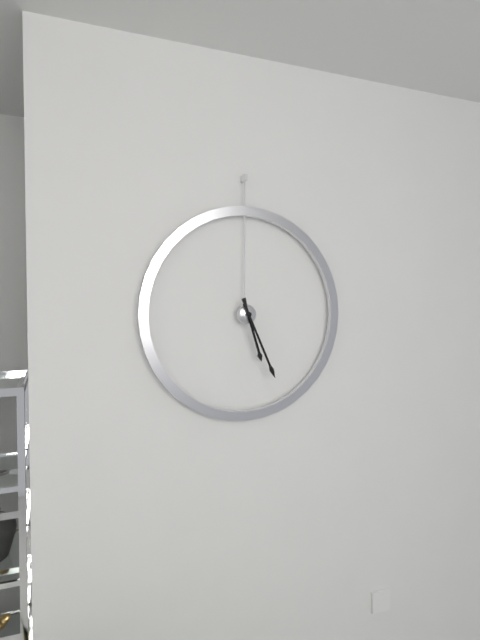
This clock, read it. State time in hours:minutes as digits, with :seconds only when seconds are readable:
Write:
5:26
